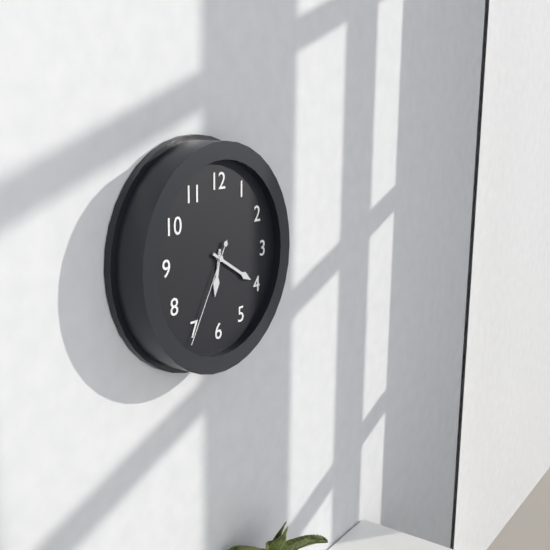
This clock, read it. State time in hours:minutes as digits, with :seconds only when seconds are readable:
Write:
6:20:35
